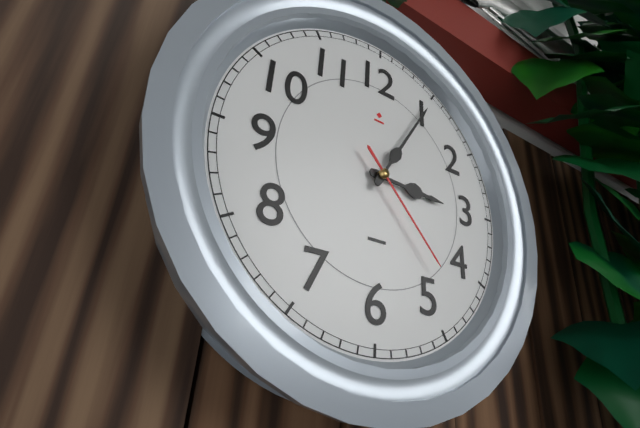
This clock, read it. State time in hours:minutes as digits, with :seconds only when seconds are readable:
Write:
3:05:23
